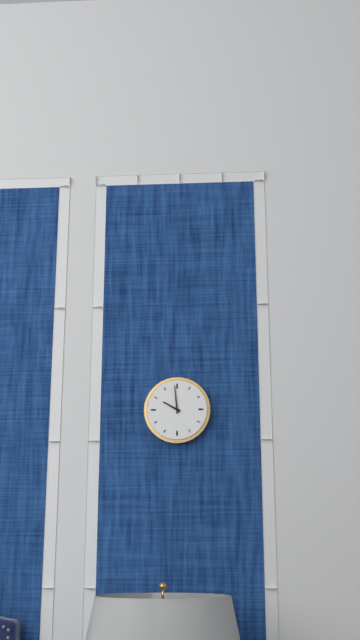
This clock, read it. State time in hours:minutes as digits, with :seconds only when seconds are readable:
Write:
9:59
